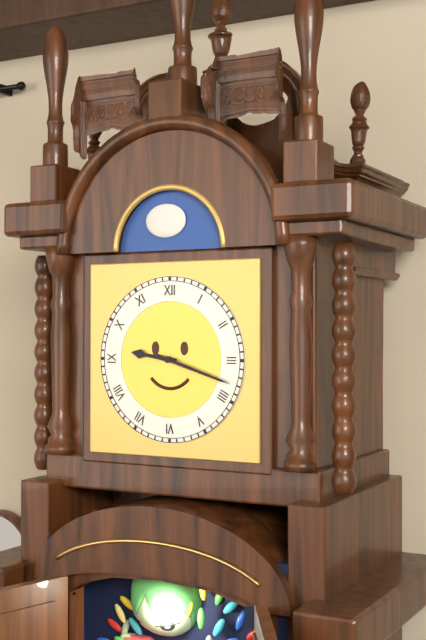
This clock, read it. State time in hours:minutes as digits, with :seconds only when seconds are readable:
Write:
9:18
